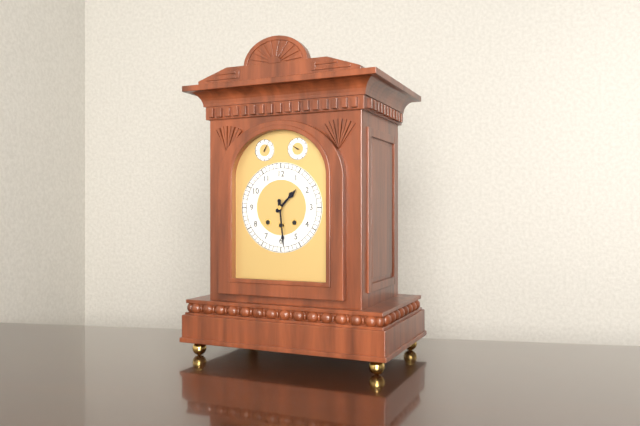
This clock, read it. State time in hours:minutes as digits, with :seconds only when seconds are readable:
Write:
1:29
